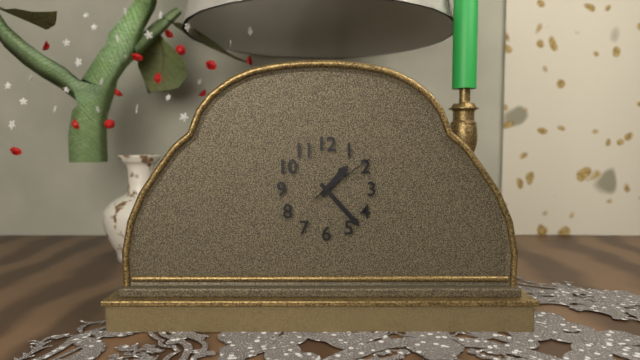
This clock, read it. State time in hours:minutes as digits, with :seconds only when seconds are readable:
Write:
1:23:09
